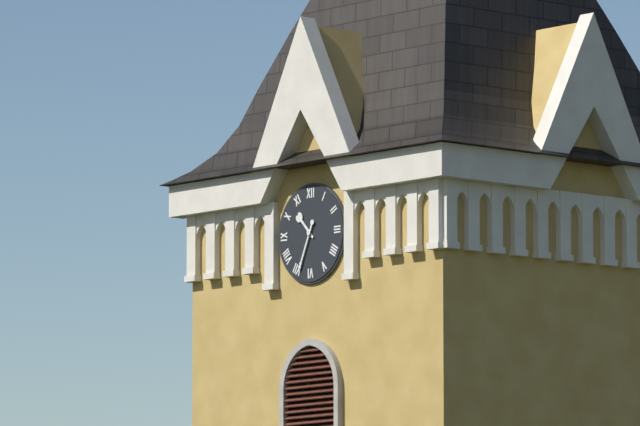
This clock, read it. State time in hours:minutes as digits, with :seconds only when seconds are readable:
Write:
10:34
